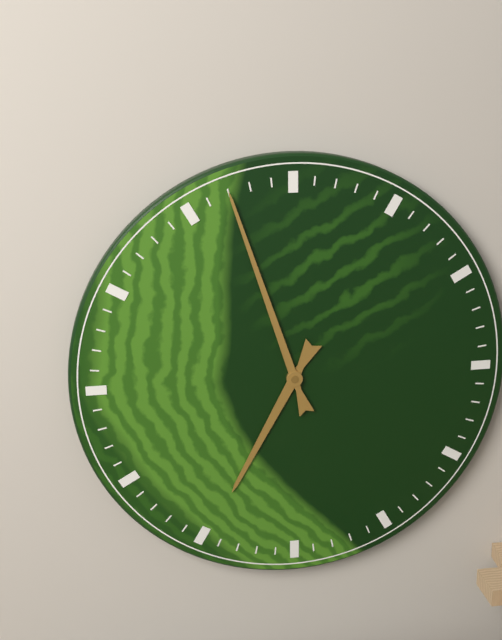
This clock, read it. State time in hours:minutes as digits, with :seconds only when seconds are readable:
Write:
6:57
